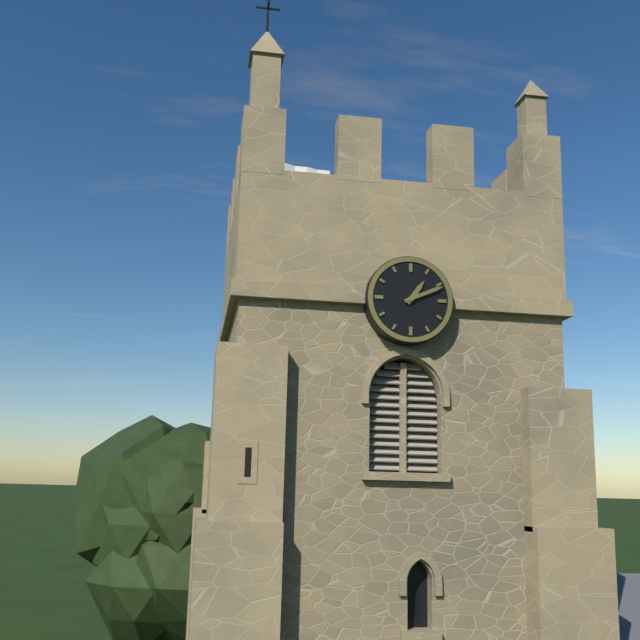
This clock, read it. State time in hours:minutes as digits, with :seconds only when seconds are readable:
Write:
1:11
